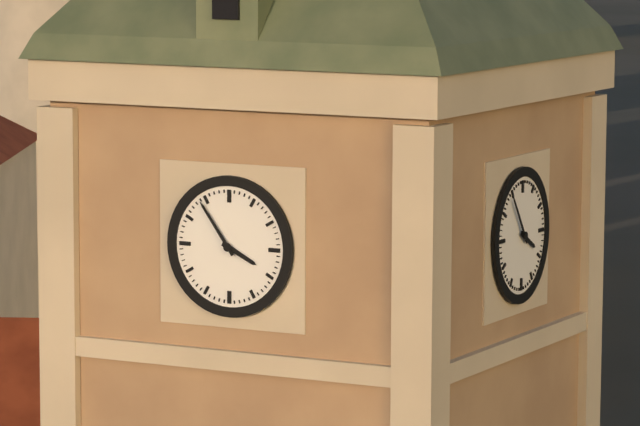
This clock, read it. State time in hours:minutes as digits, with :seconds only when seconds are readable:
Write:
3:54
